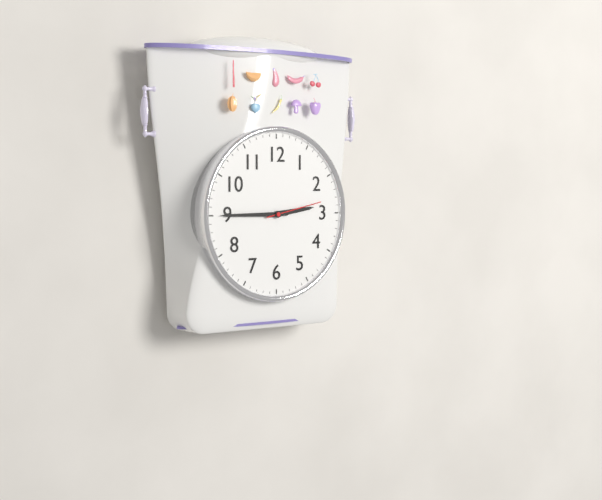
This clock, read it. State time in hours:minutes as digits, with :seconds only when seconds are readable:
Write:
2:45:13
